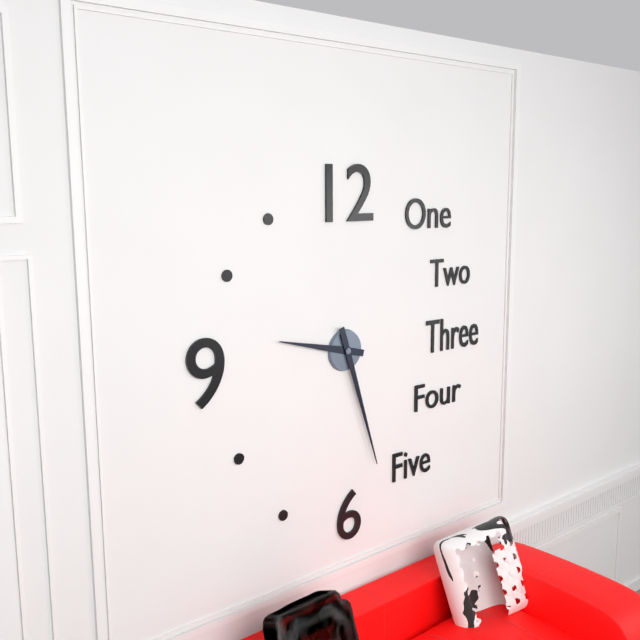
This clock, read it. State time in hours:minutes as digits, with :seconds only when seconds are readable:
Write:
9:27
